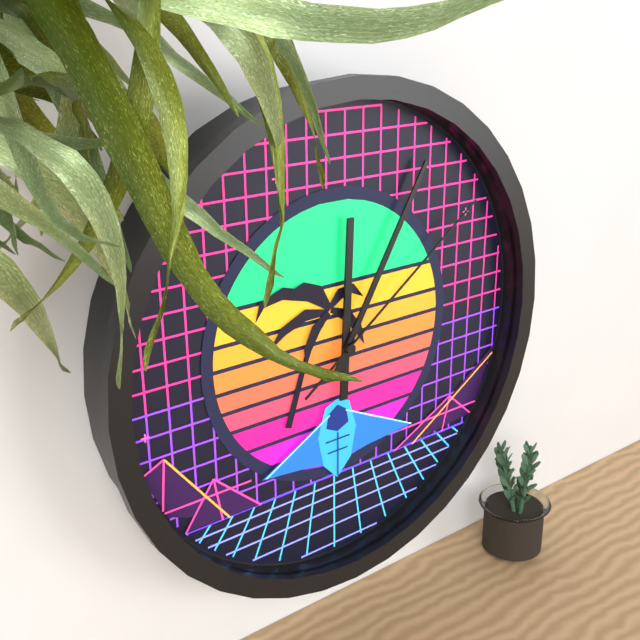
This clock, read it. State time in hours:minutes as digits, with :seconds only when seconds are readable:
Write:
12:05:09
